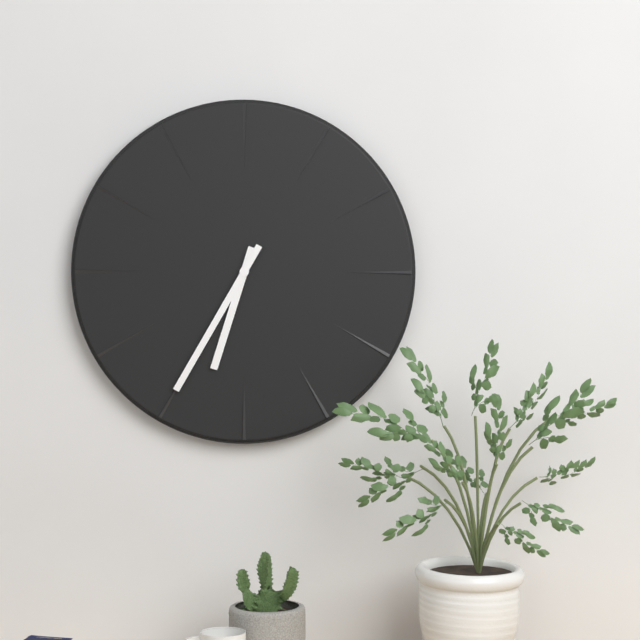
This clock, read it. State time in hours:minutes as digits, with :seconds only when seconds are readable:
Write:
6:35
